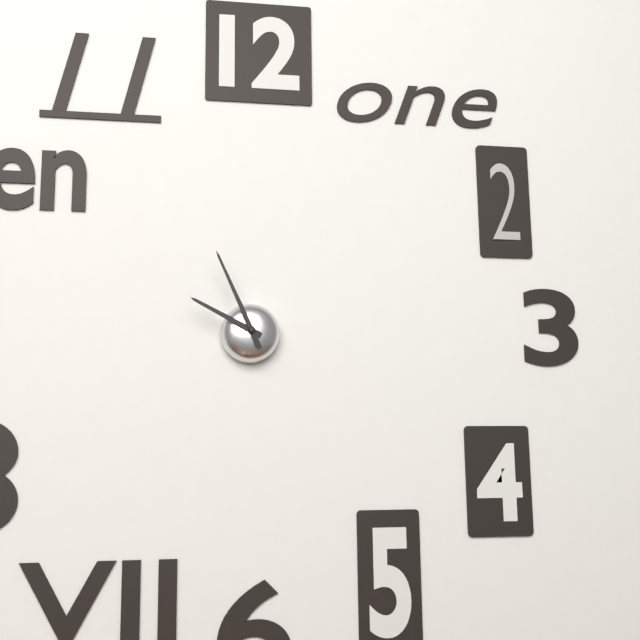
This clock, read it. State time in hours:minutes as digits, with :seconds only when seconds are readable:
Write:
9:56
